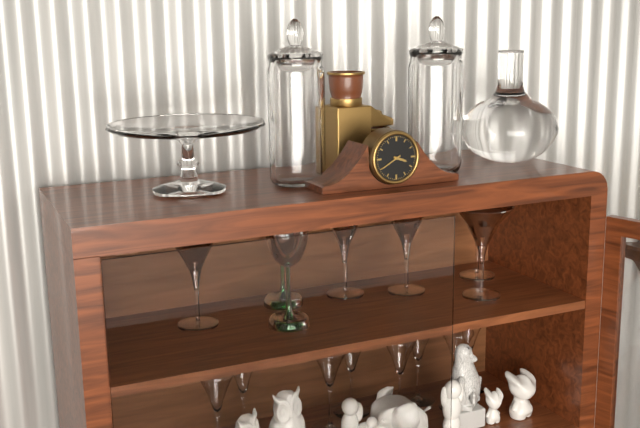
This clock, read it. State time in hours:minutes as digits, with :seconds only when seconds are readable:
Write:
3:40
